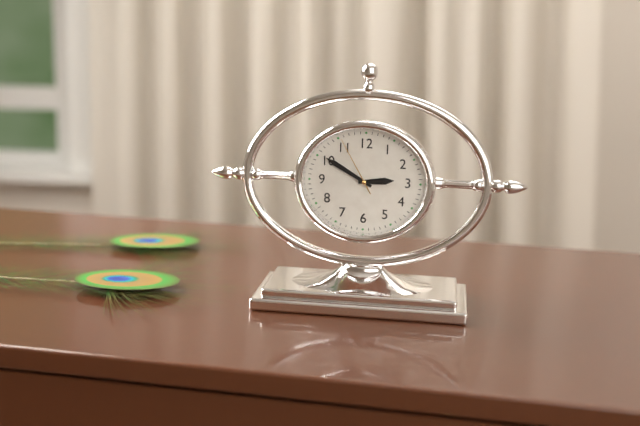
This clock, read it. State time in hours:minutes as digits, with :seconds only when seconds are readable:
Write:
2:50:55
